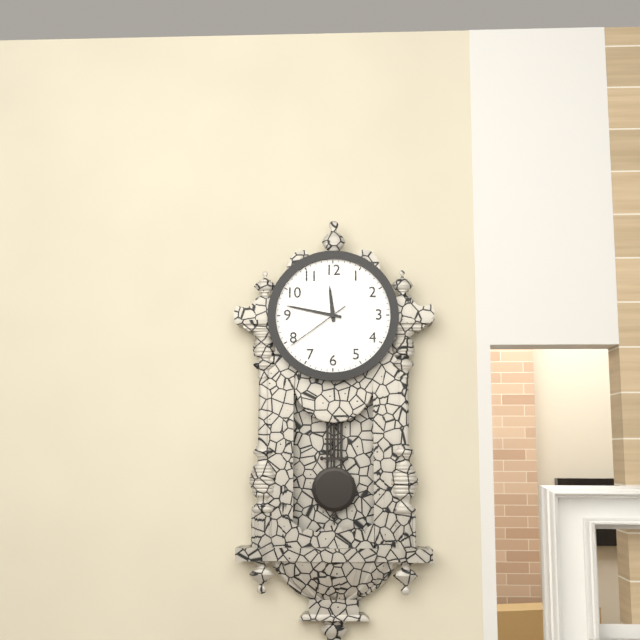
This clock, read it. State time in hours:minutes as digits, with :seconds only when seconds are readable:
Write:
11:47:39
